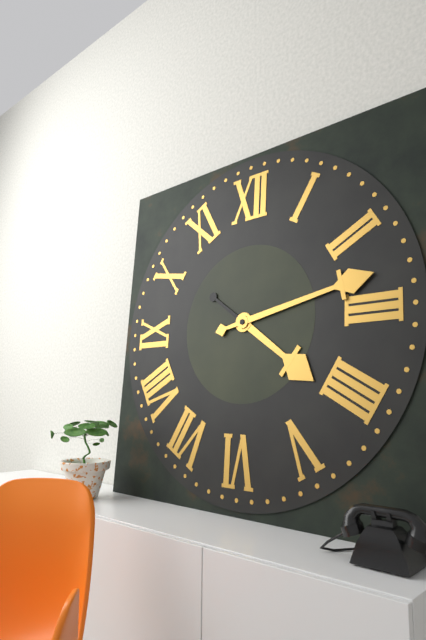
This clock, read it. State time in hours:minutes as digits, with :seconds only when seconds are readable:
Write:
4:13
